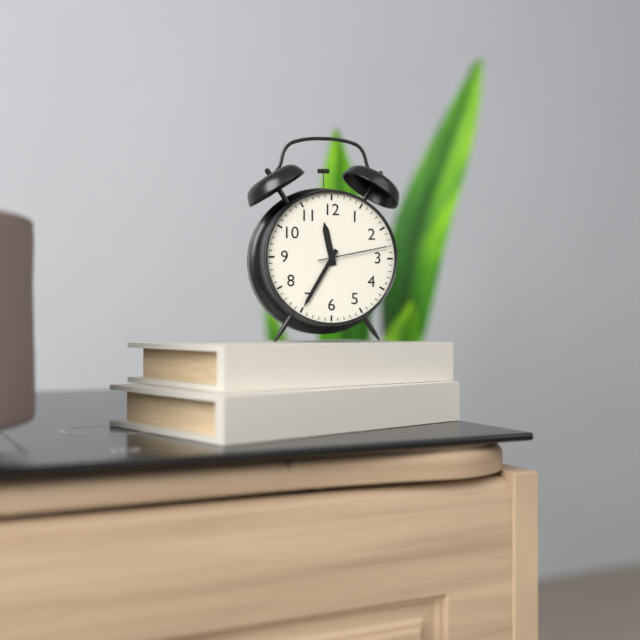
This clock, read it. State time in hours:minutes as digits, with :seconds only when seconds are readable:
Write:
11:35:13
